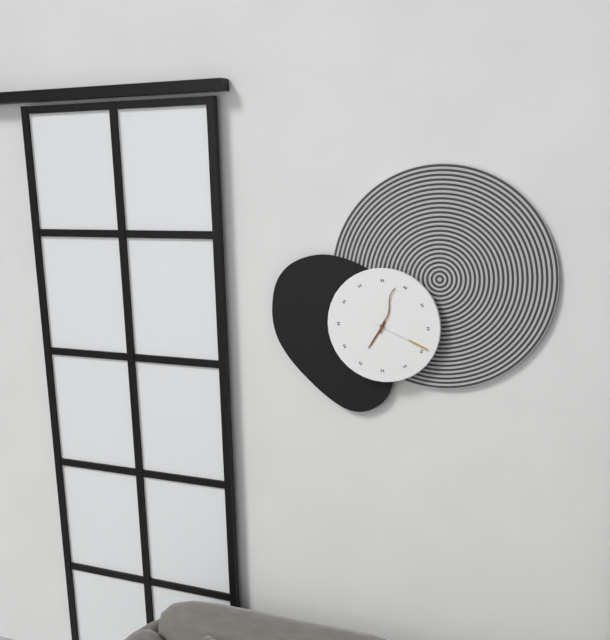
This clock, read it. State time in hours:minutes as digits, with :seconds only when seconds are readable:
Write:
7:03:19
